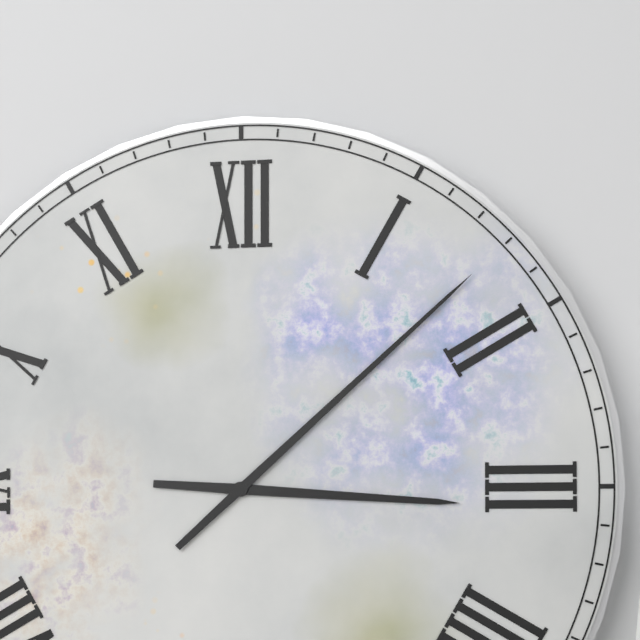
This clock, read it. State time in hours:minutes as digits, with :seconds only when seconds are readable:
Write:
3:08
